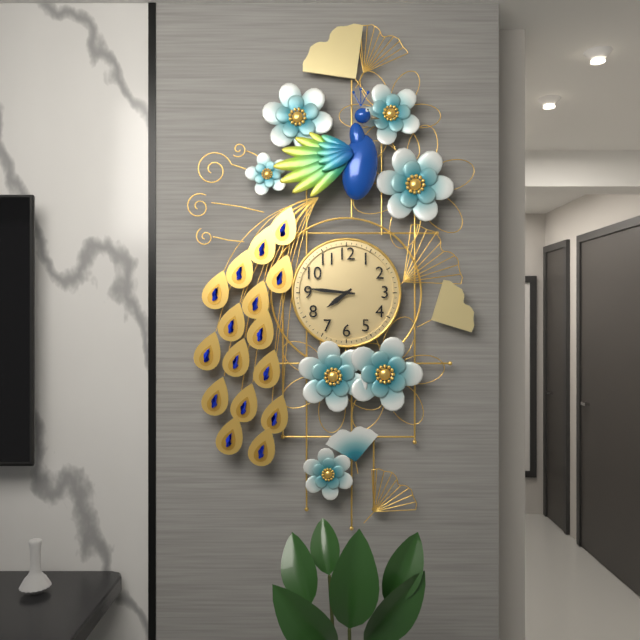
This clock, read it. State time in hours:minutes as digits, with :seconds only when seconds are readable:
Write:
7:46
